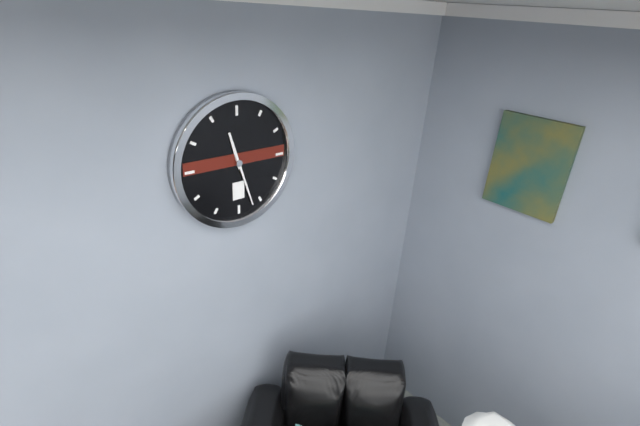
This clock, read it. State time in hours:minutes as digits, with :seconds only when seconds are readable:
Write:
11:27
